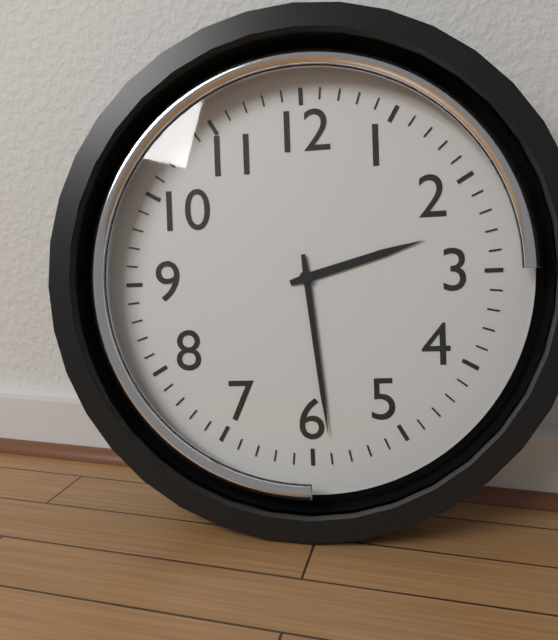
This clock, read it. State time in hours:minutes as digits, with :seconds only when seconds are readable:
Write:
2:29
